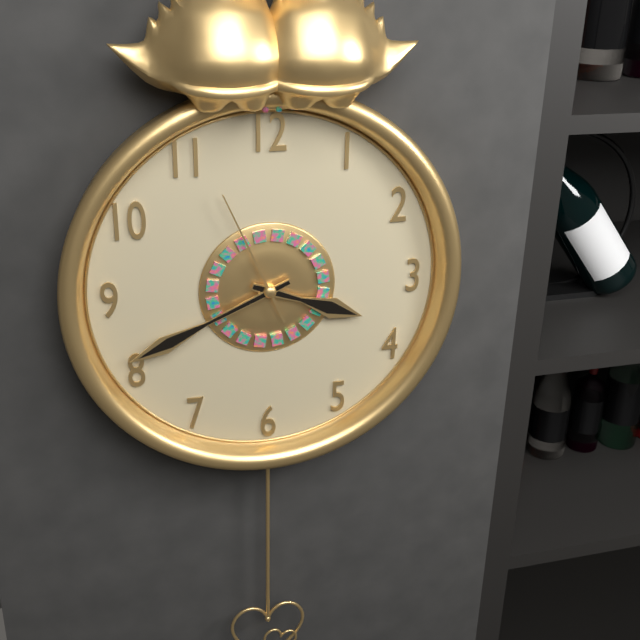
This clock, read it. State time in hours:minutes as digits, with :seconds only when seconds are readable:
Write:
3:41:56
